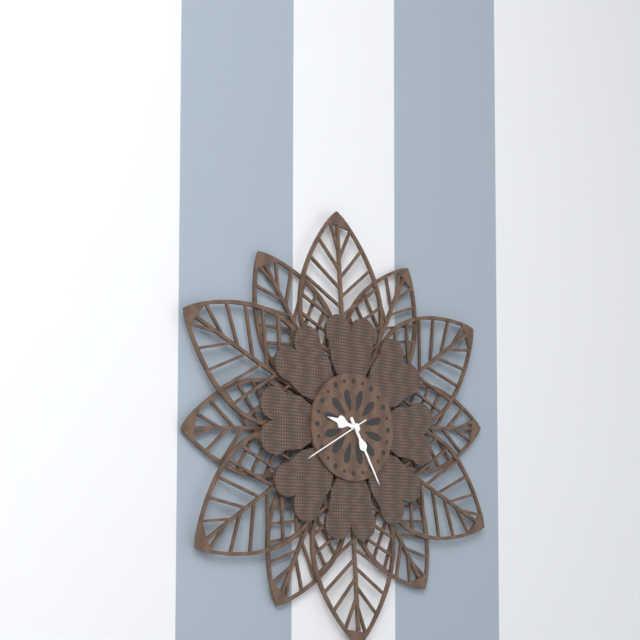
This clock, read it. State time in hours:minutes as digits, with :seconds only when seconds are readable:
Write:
9:25:40
